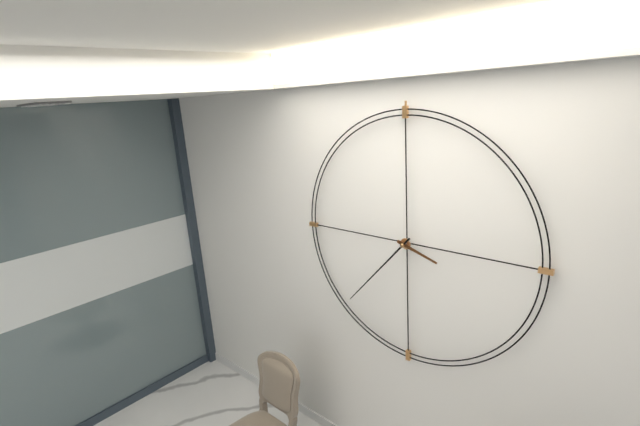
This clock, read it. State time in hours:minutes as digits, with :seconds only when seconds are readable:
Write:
3:37
